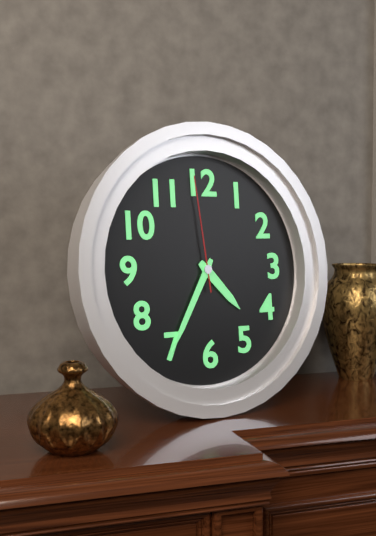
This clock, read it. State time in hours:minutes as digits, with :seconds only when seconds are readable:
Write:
4:35:59
